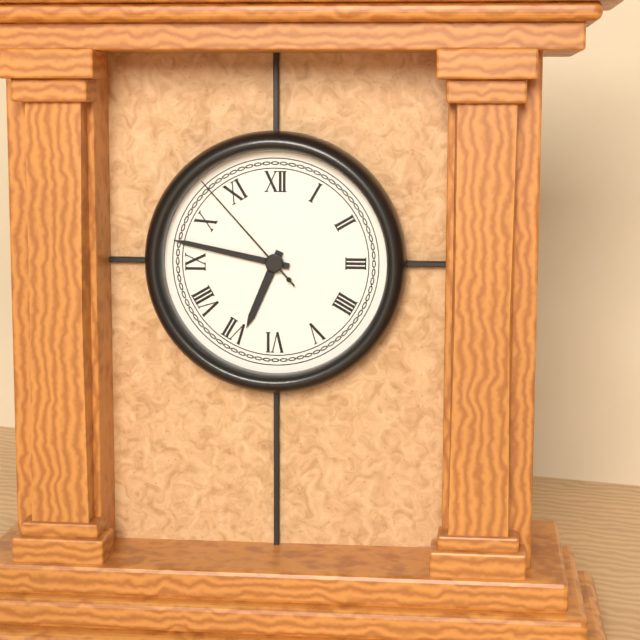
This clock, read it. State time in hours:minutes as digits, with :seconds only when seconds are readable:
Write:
6:47:53
